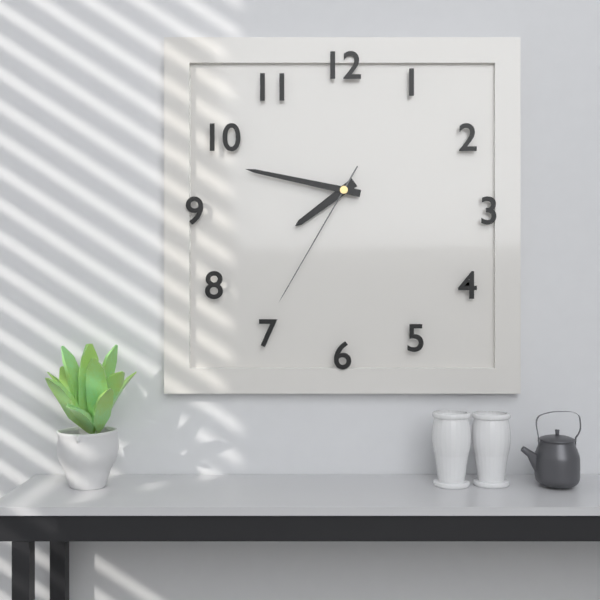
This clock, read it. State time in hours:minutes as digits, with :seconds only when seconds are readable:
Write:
7:47:35
